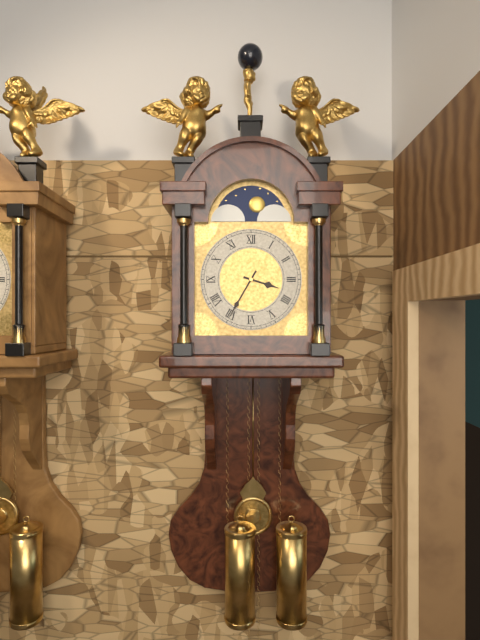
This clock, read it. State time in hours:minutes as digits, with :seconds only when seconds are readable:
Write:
3:35
